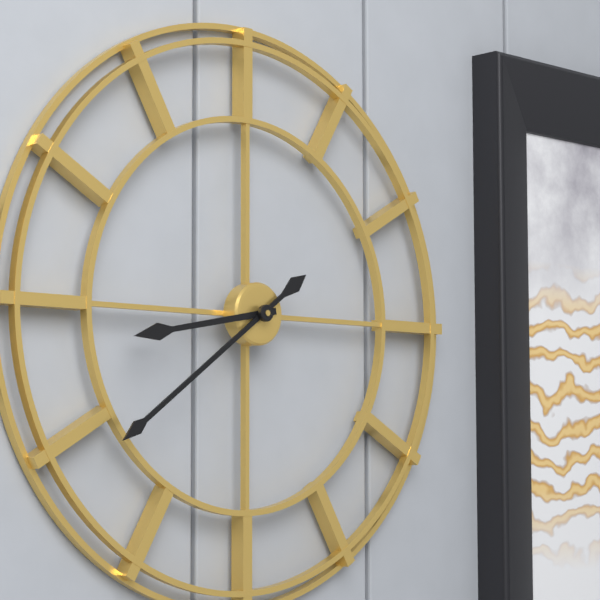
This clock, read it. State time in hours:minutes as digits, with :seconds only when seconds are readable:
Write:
8:39
